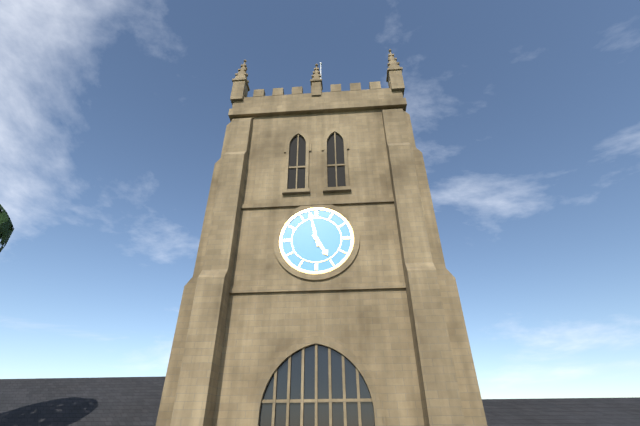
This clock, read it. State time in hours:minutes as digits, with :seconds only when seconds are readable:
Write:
4:58
